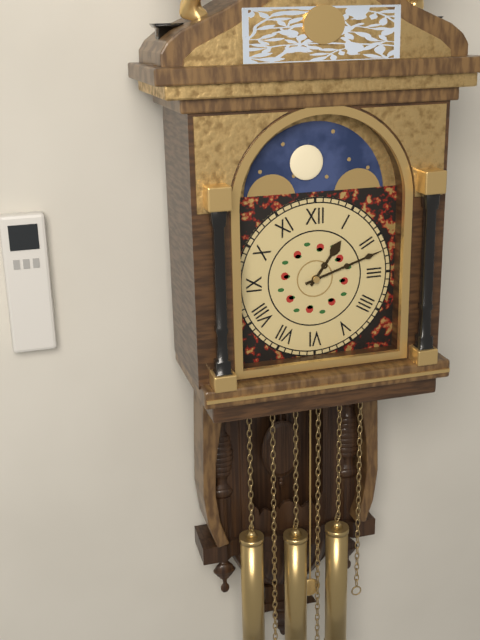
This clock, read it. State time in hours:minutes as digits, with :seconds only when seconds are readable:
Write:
1:12
